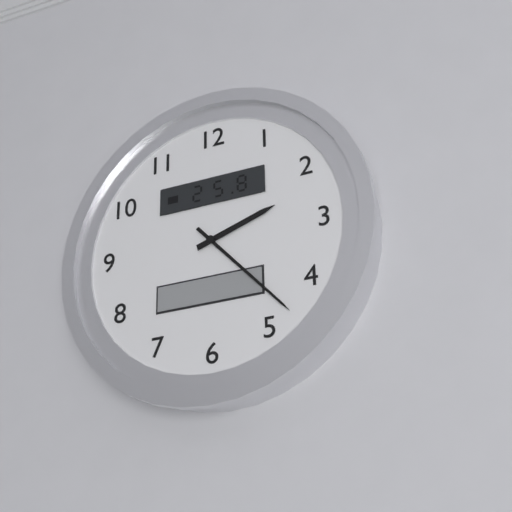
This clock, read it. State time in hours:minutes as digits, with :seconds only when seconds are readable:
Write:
2:23
